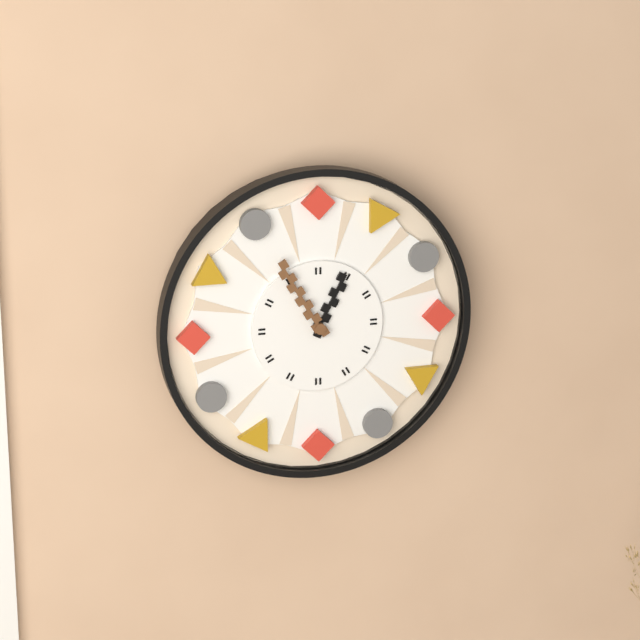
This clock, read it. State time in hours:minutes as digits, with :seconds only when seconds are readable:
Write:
12:55
